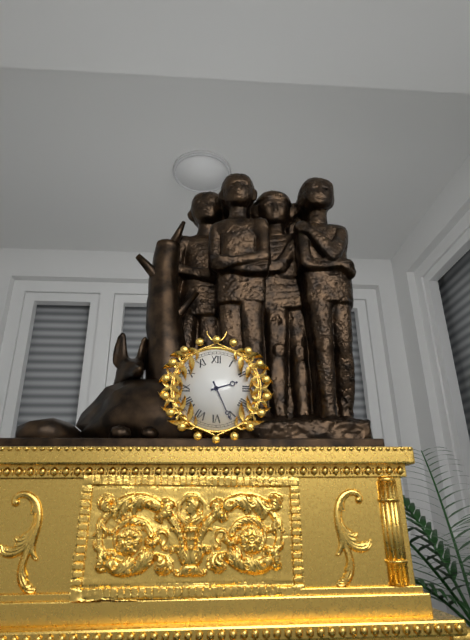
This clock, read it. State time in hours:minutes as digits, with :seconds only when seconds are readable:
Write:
2:26
